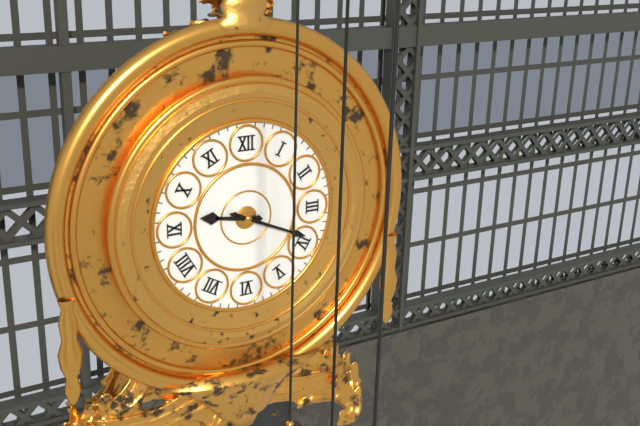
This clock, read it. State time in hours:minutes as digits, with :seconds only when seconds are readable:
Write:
9:19
